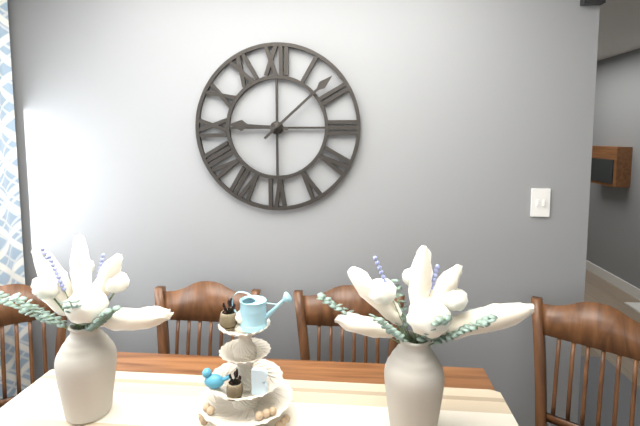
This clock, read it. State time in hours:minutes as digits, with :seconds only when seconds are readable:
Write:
9:08
